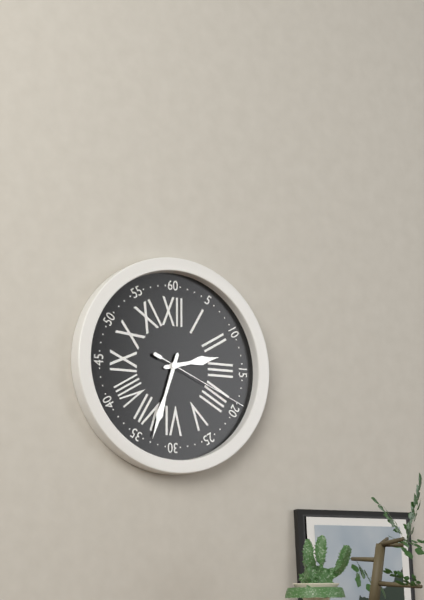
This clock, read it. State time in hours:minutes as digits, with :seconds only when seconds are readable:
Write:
2:33:19
